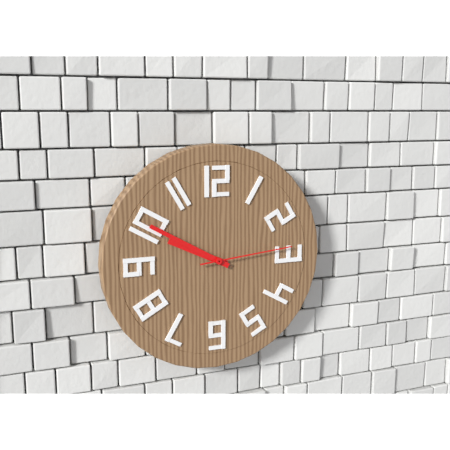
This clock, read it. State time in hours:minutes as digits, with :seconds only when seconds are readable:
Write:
9:50:14
